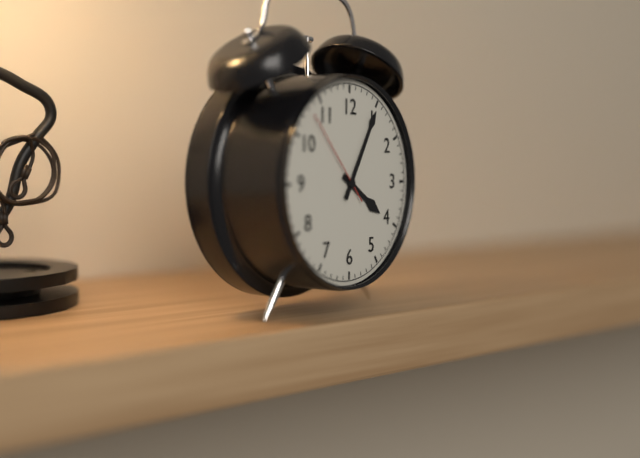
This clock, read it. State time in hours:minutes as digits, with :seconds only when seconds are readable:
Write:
4:05:53
